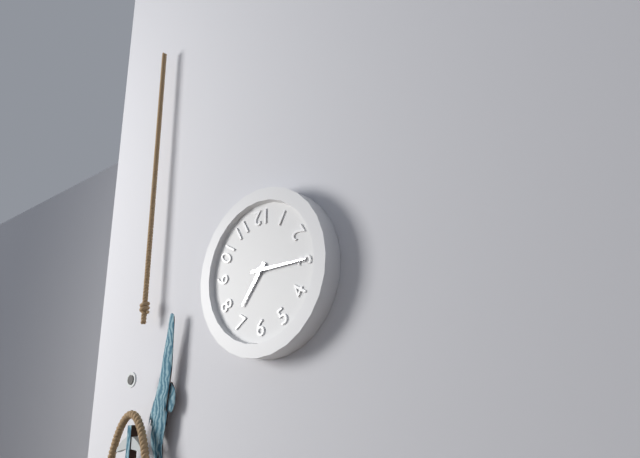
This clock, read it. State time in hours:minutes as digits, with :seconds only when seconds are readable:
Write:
7:15
